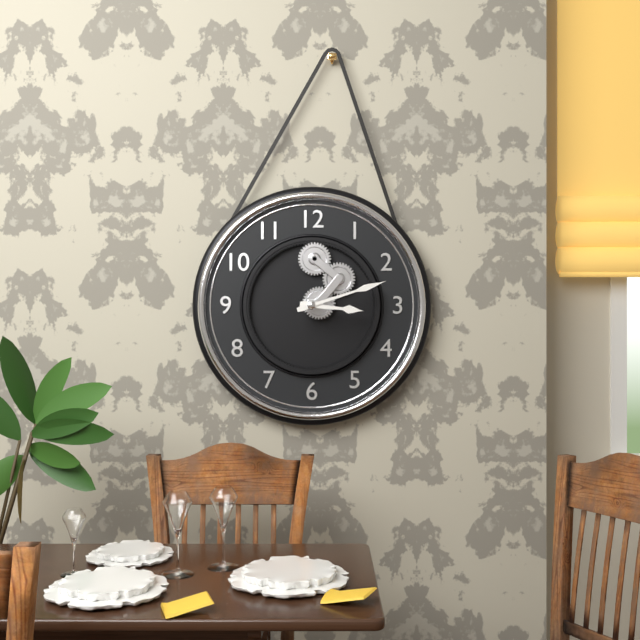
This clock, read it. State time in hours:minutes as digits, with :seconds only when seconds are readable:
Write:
3:12
